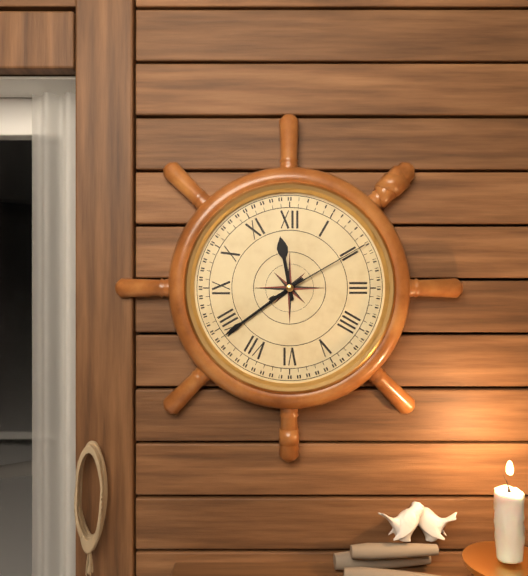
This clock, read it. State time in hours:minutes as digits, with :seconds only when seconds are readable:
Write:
11:39:10
